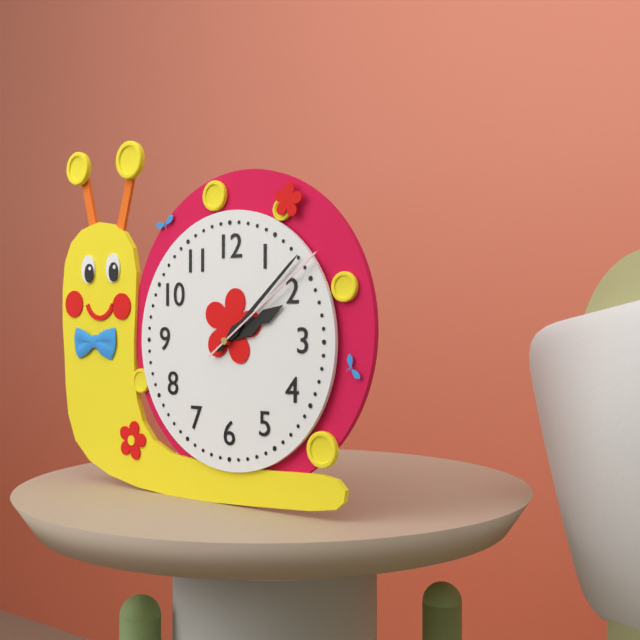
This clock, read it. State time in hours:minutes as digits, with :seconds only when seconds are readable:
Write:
2:08:09
